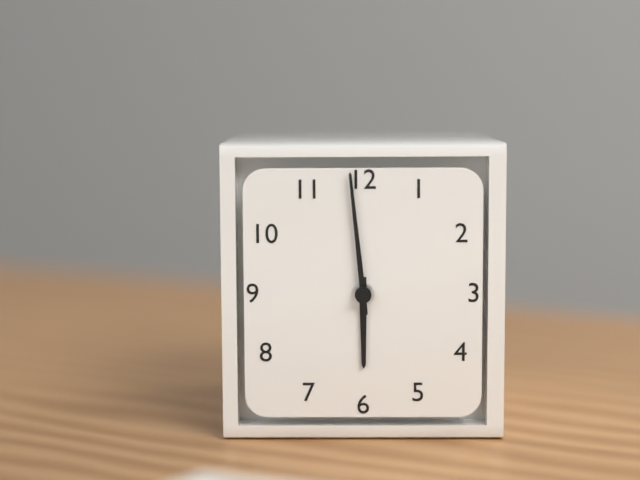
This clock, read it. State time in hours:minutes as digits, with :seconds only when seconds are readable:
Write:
5:59
